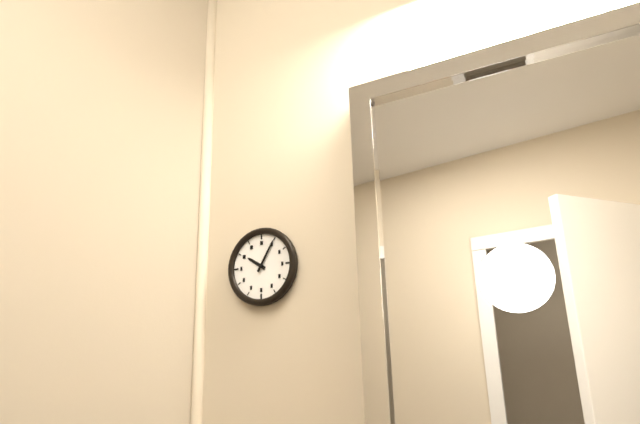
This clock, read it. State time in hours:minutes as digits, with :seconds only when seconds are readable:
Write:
10:05
